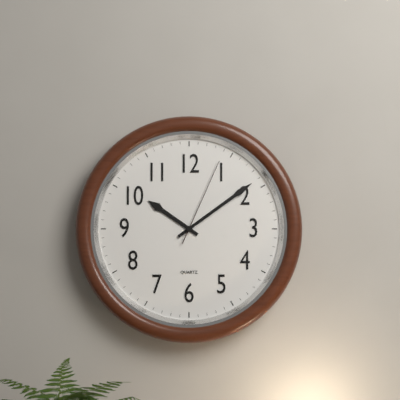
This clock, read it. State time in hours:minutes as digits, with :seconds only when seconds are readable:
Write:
10:09:04
